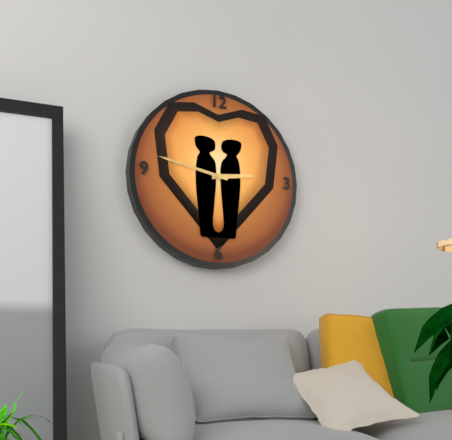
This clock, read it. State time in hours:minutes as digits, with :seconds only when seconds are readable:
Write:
2:47
